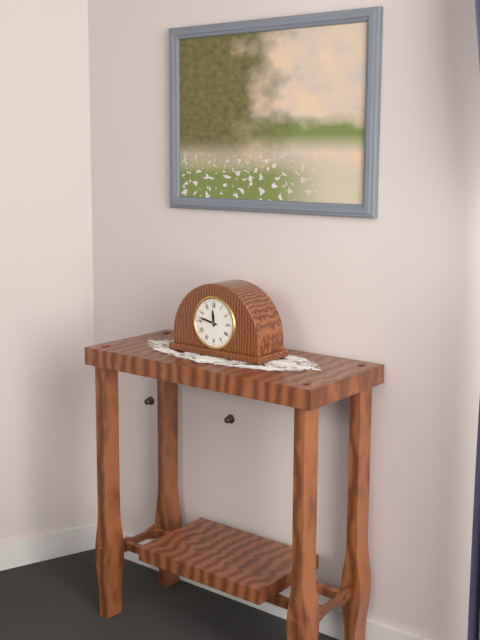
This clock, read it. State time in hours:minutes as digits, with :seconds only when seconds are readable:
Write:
11:47
